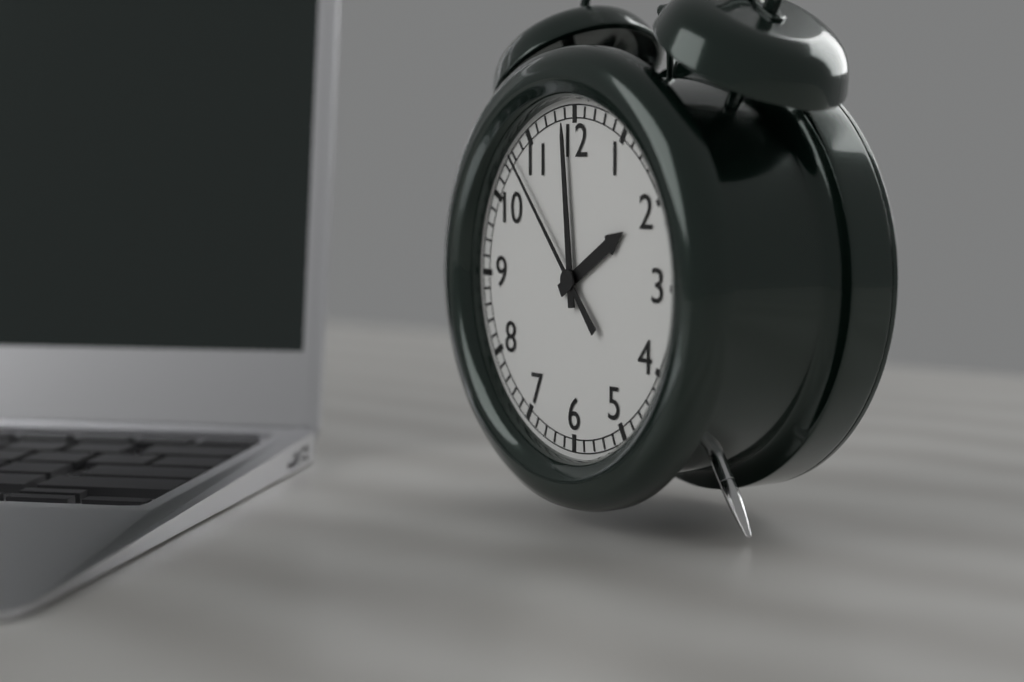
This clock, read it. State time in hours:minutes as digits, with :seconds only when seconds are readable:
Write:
1:59:53
